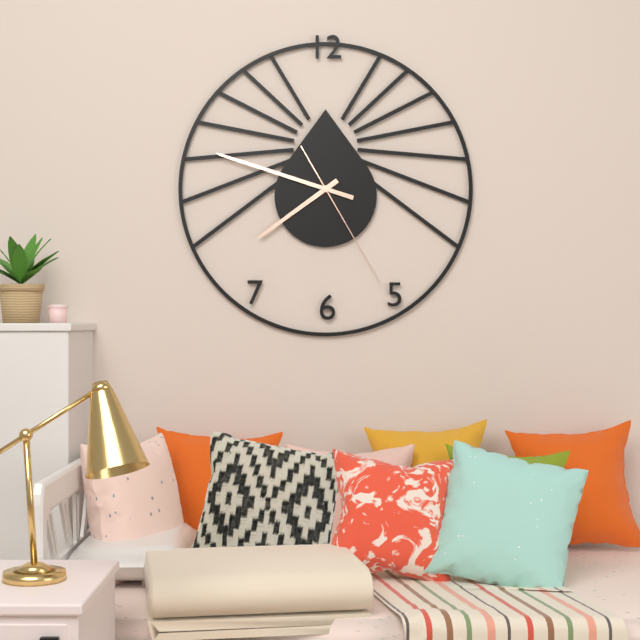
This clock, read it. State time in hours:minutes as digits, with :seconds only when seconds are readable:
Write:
7:48:25
